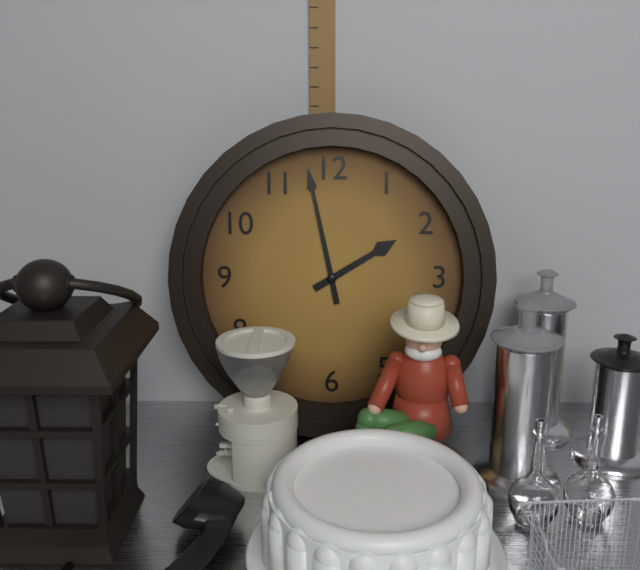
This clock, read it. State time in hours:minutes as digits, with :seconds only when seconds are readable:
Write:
1:58
